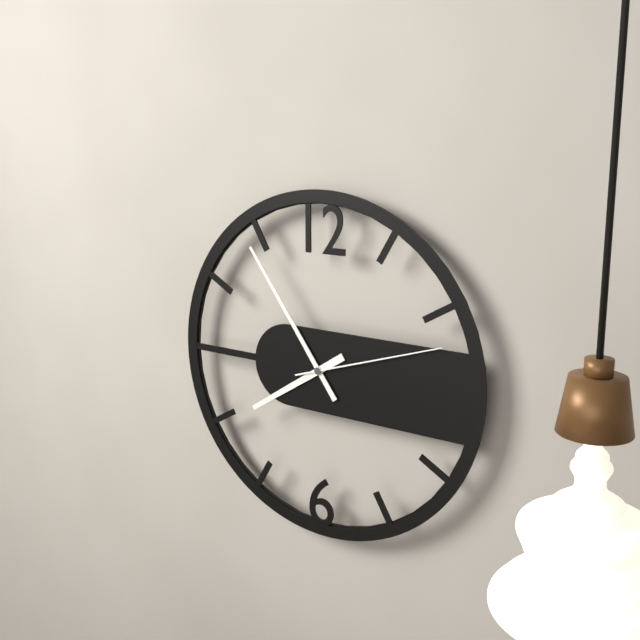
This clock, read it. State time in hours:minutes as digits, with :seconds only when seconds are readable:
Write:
7:54:12
